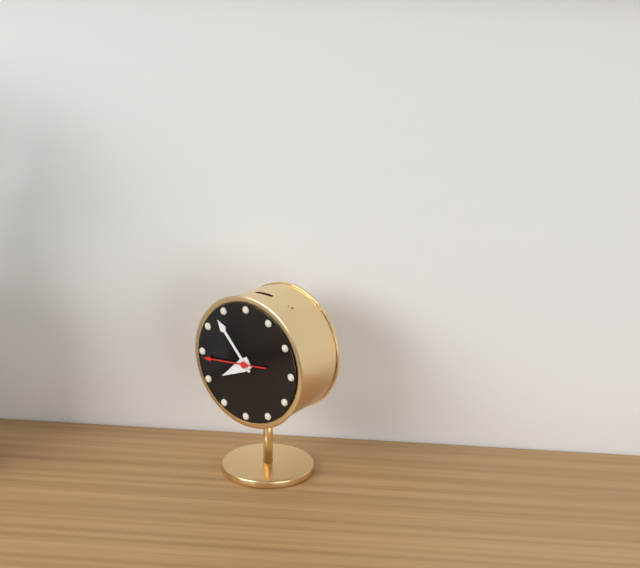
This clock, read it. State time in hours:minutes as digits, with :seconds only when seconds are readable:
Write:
7:53:44
